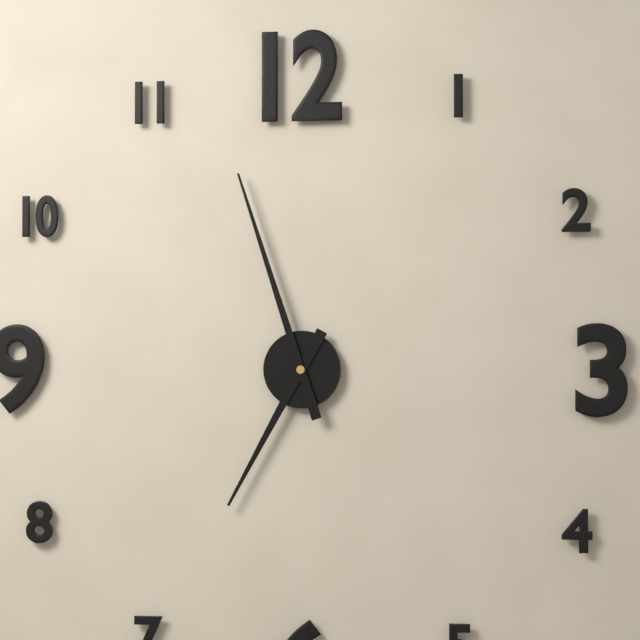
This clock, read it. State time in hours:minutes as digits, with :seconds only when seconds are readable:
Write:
6:57
